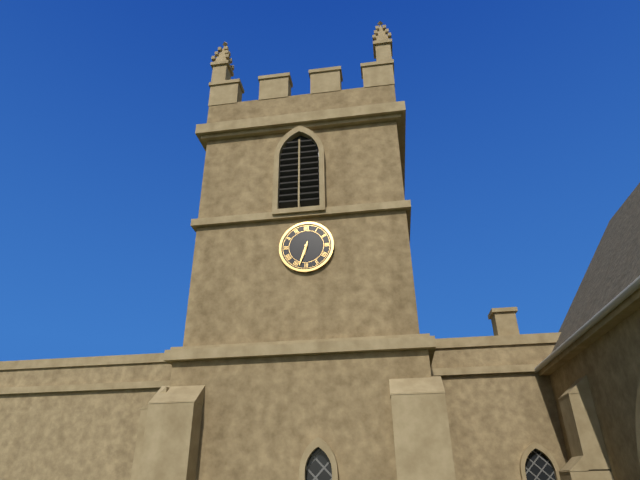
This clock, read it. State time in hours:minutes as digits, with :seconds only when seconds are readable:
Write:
6:33
